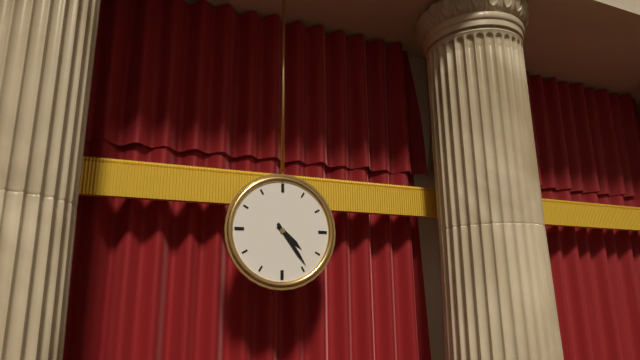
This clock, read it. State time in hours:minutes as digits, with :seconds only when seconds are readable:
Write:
4:24
